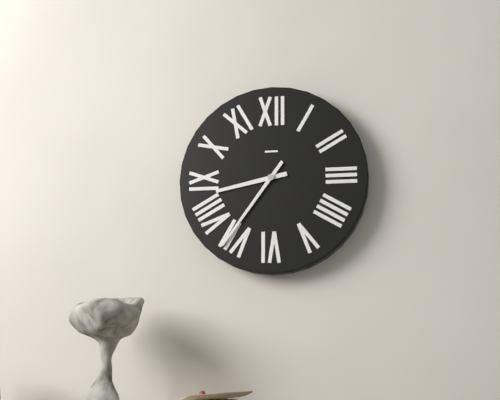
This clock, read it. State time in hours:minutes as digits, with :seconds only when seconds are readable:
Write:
8:36
